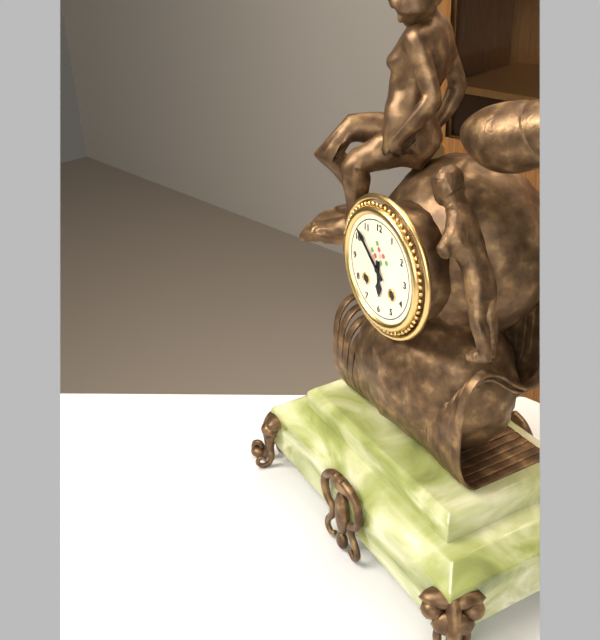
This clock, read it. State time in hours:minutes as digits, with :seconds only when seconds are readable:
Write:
5:52
